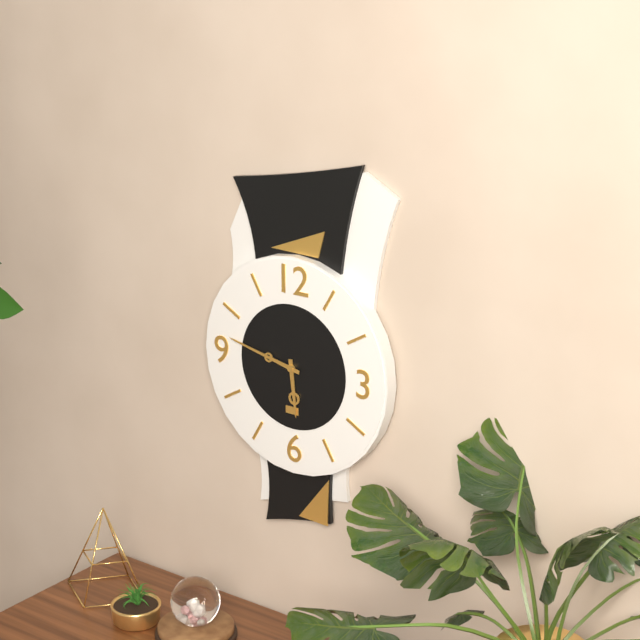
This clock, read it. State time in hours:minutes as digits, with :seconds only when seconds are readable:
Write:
5:47
